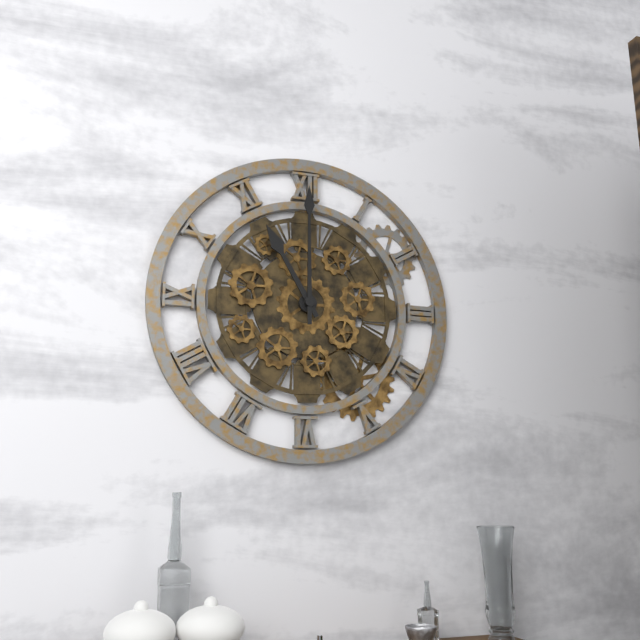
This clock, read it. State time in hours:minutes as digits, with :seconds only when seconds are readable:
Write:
11:00
